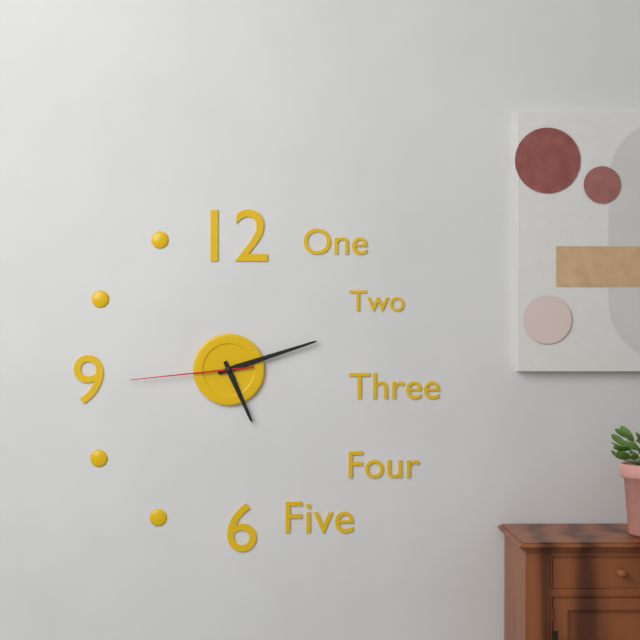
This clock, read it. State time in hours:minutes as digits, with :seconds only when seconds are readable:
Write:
5:12:44
